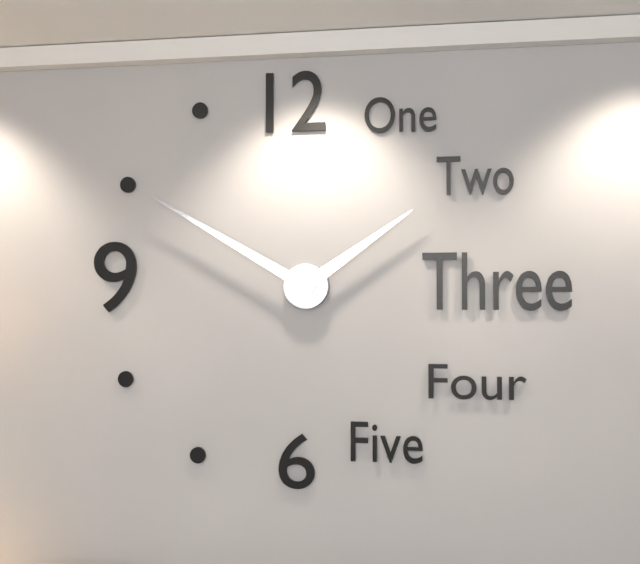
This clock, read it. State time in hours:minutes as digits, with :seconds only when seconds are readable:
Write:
1:50
